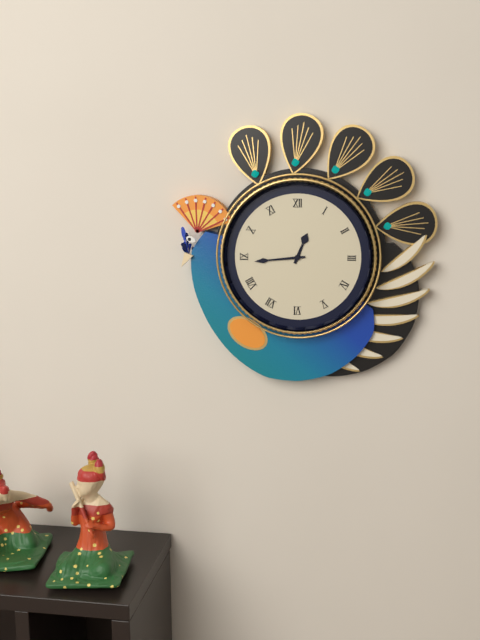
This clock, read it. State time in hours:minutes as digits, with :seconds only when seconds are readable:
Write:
12:44
